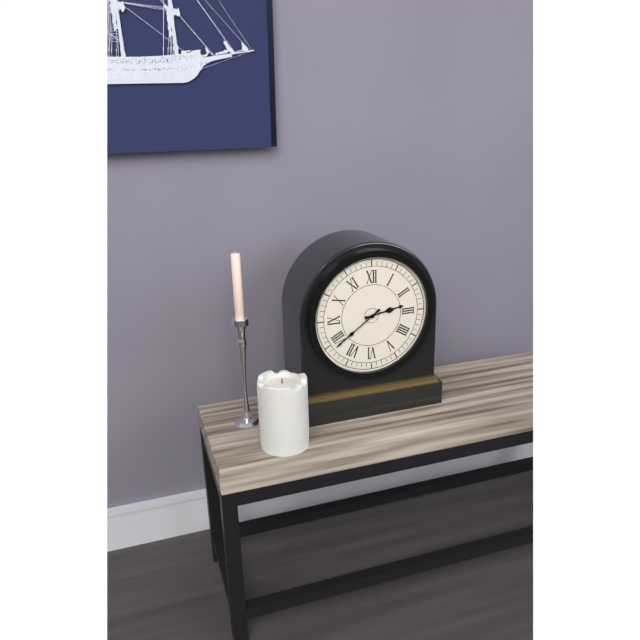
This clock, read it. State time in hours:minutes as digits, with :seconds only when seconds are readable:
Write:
2:39
